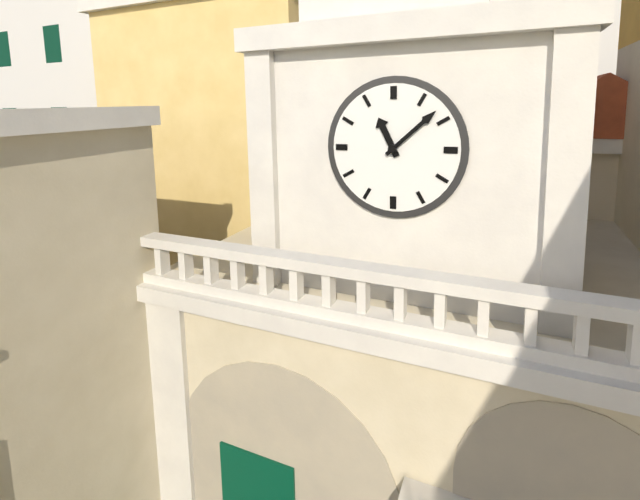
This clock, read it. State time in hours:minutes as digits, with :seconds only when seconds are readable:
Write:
11:08
